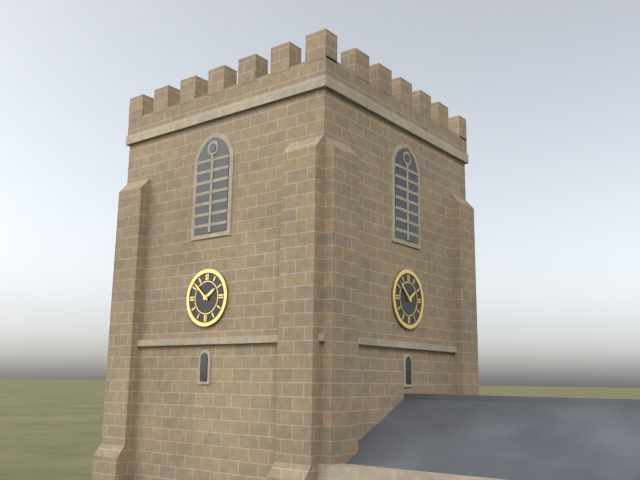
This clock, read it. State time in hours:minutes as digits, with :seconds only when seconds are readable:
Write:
1:52
